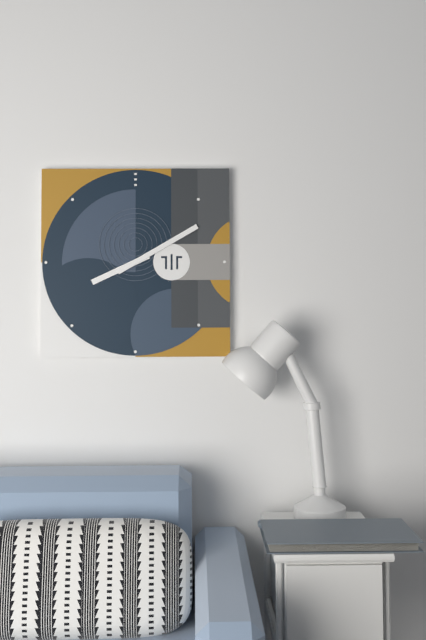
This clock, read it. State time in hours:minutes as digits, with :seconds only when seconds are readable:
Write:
8:10
